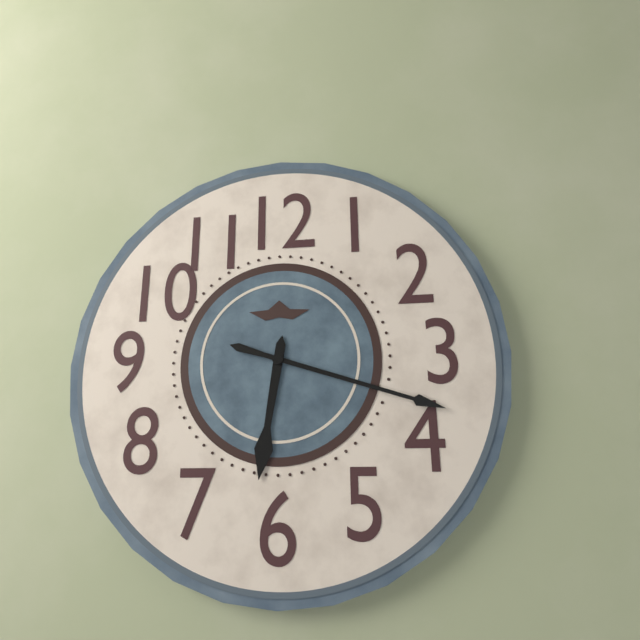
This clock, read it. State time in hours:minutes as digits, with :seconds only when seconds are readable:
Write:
6:18
